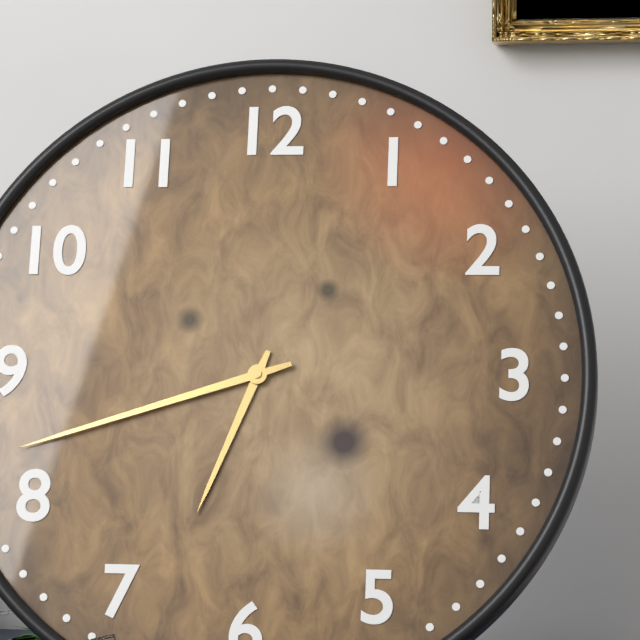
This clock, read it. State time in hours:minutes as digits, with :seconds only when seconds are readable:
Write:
6:42
